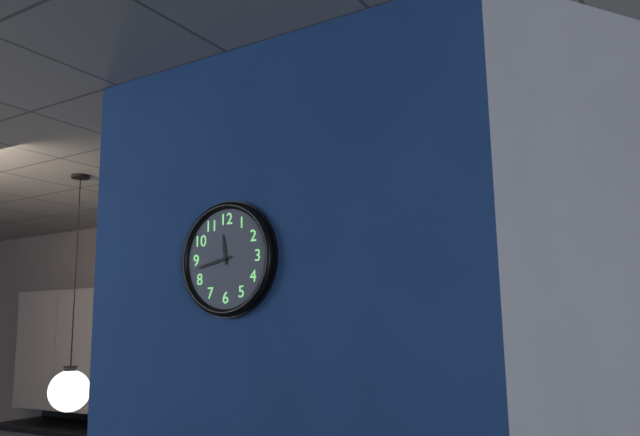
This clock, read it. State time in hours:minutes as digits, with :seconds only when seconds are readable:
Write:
11:43
